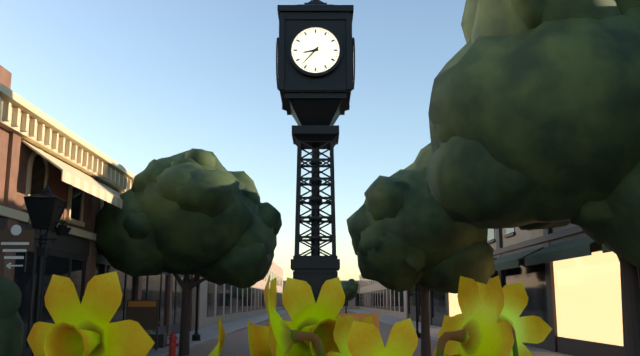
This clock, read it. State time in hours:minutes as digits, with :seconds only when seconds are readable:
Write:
8:37
